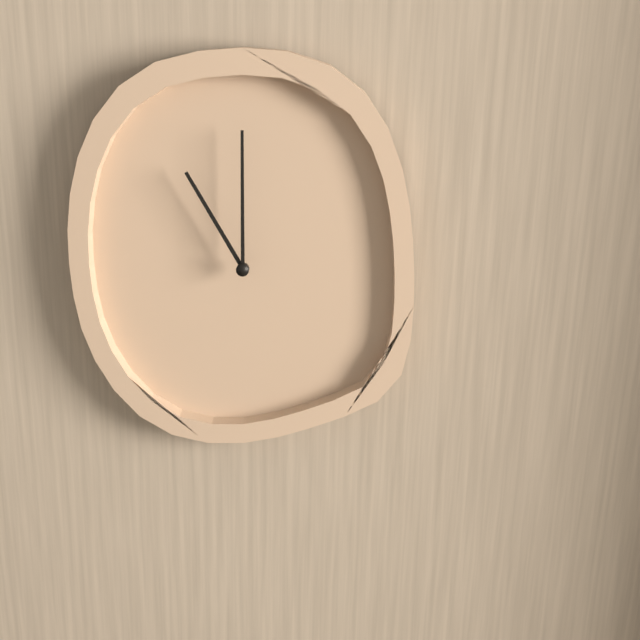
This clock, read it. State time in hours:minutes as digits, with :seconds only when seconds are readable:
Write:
11:00
